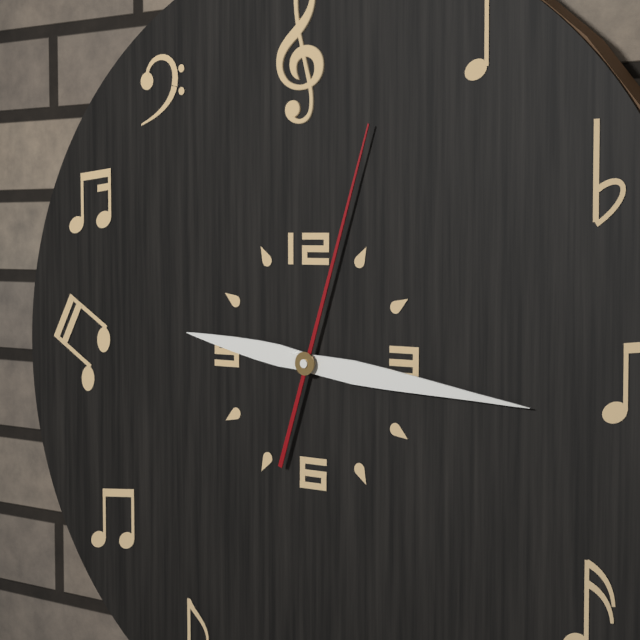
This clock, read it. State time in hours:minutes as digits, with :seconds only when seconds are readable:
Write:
9:16:03
